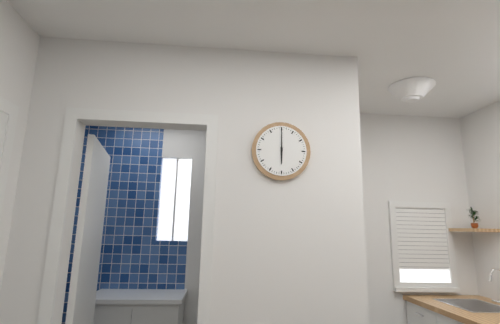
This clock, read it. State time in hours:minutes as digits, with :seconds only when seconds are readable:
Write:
6:00
